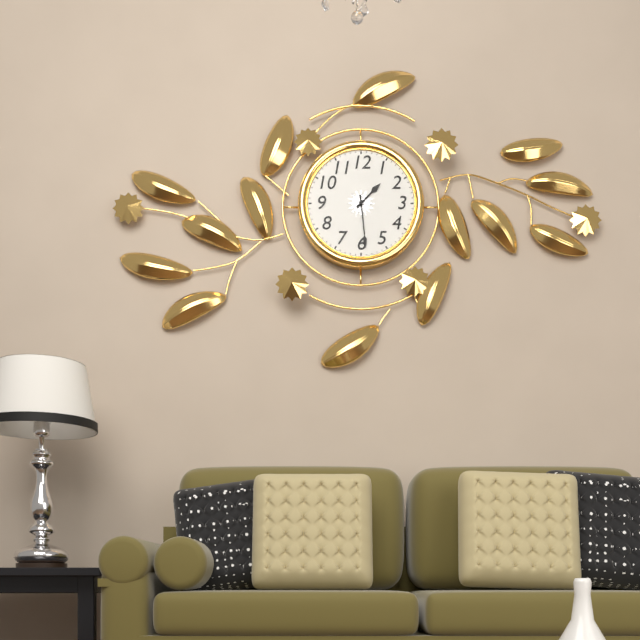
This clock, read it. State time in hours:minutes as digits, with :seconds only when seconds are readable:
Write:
1:29
